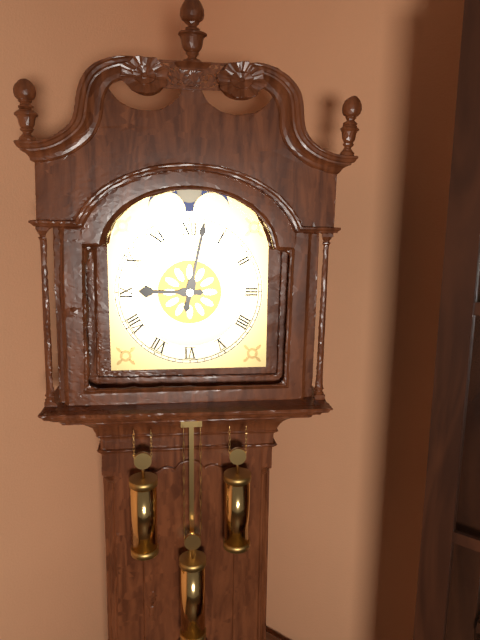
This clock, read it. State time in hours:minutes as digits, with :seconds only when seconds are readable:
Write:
9:02
